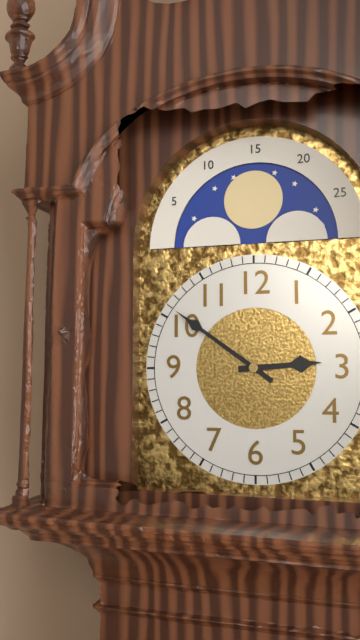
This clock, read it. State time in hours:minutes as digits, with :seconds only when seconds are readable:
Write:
2:51
